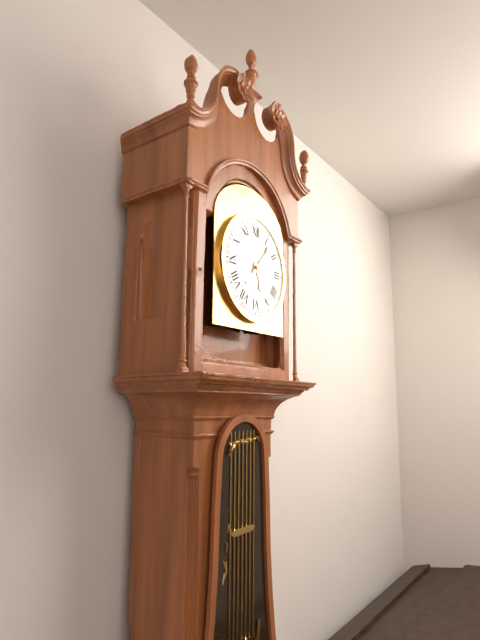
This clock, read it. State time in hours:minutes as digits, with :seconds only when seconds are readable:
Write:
5:07
